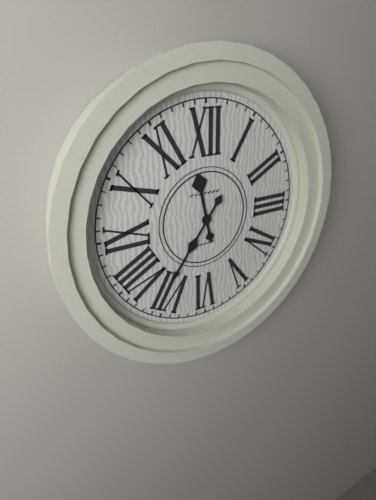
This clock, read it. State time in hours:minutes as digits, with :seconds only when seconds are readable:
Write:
11:36
